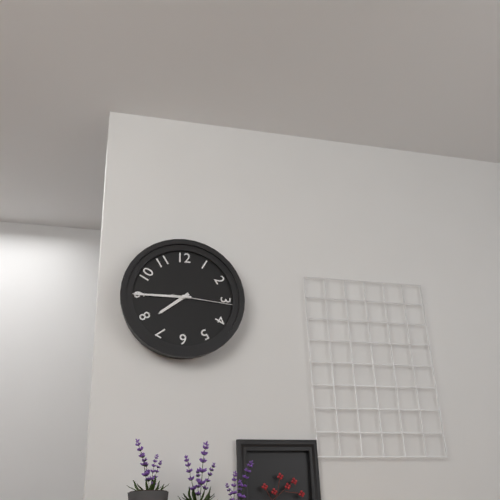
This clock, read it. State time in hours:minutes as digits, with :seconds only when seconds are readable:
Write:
7:45:16
